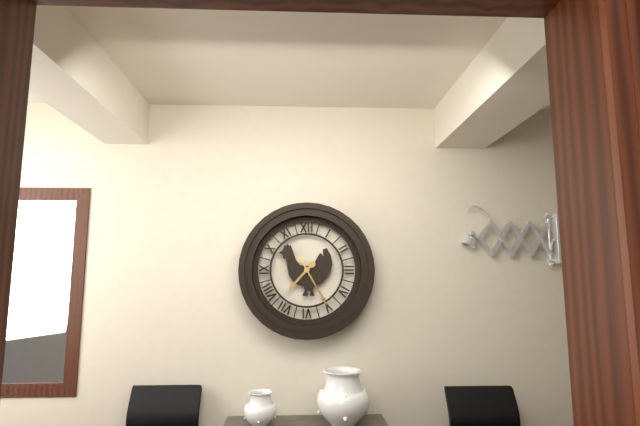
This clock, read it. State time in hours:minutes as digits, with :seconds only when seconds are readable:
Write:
7:25
